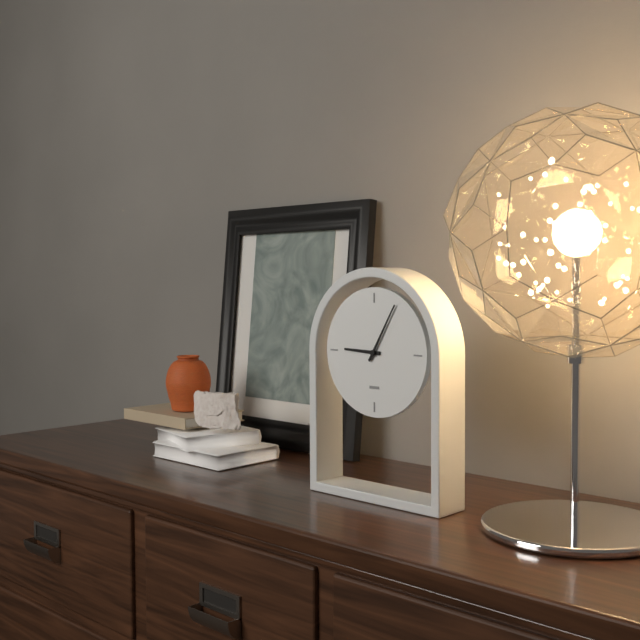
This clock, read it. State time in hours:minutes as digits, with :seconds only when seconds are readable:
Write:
9:05
